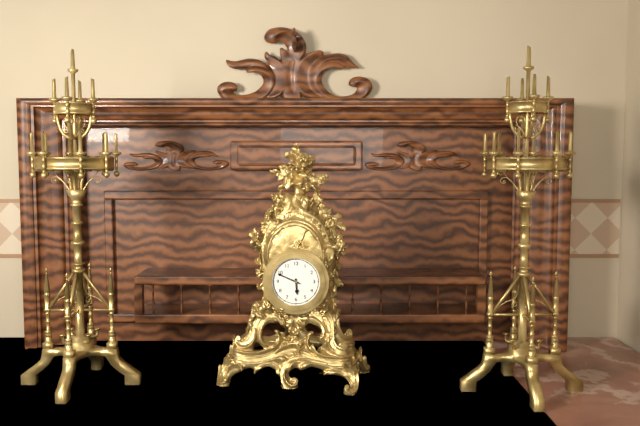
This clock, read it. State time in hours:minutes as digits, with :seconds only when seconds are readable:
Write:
5:49
